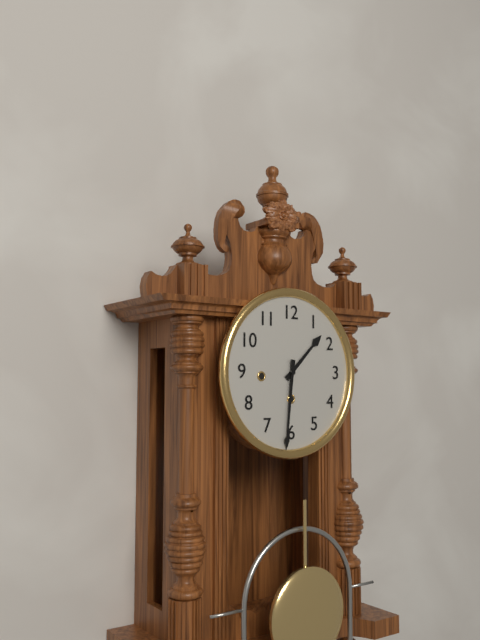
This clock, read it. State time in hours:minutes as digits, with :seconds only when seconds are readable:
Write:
1:31
